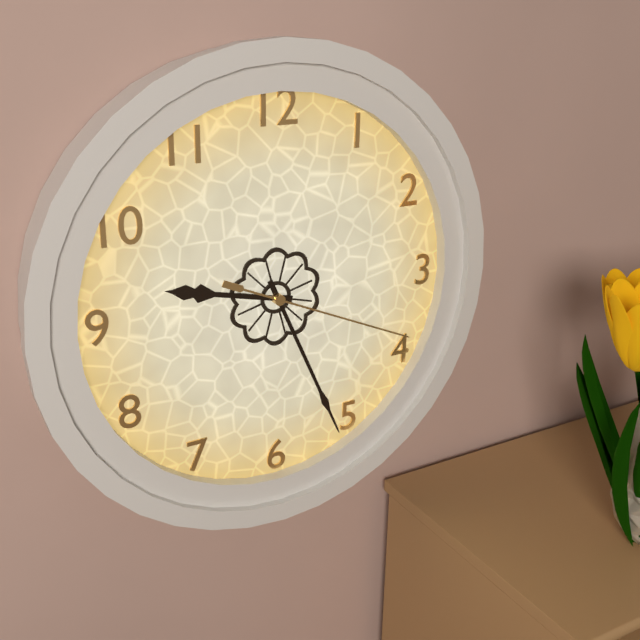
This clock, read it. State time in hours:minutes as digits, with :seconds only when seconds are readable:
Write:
9:26:19
